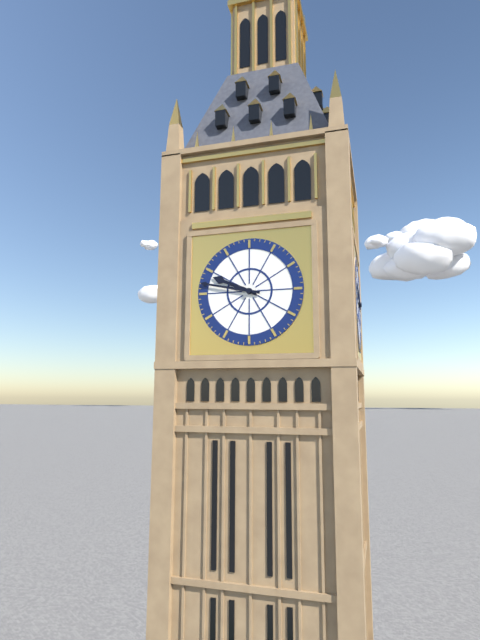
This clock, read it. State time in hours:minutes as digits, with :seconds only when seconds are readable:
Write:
9:47
